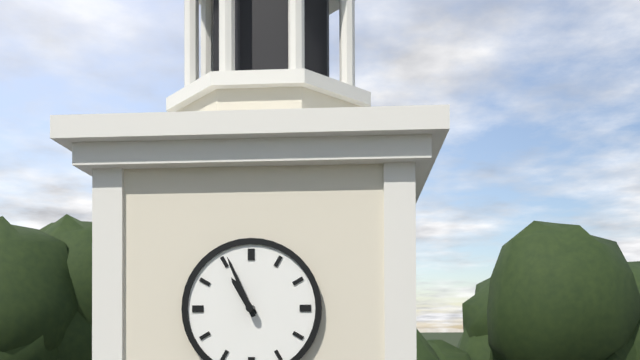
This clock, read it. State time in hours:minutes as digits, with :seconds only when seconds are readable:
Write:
10:56
